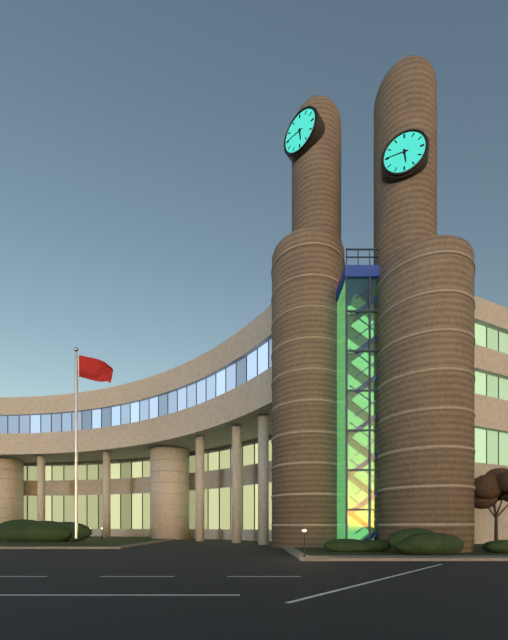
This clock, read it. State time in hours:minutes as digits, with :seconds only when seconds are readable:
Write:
5:45
